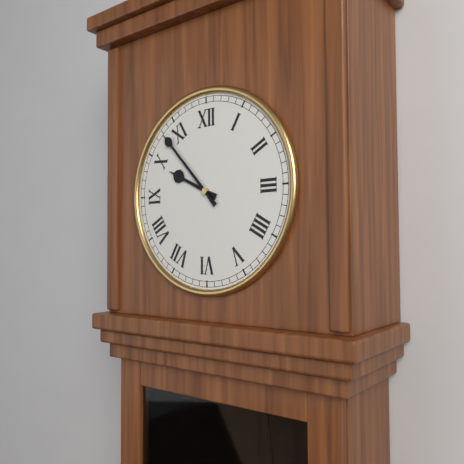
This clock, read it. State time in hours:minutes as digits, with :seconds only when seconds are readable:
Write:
9:53
